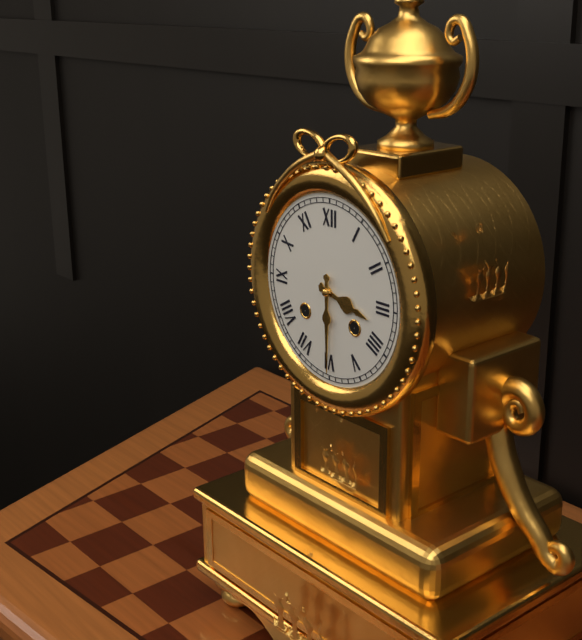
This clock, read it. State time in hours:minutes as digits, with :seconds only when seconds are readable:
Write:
3:30
